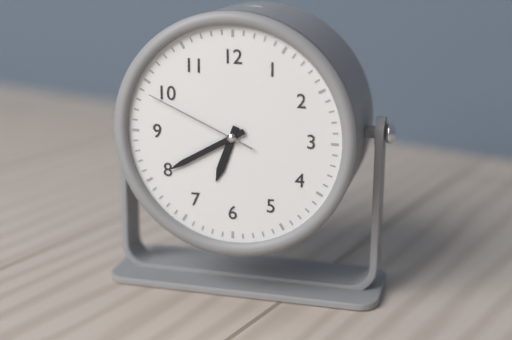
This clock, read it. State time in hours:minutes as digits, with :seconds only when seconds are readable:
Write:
6:40:49
